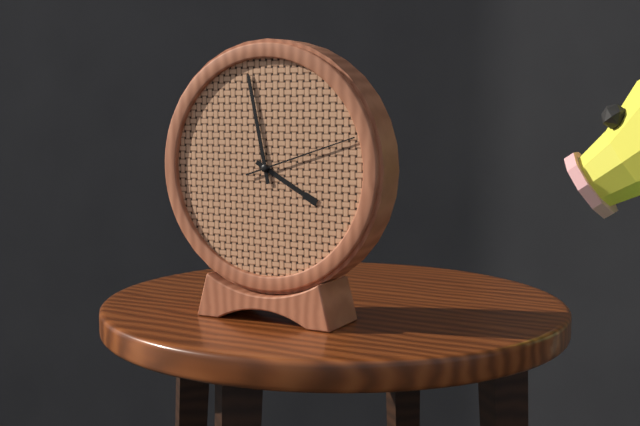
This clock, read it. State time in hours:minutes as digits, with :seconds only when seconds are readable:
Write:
3:58:12
